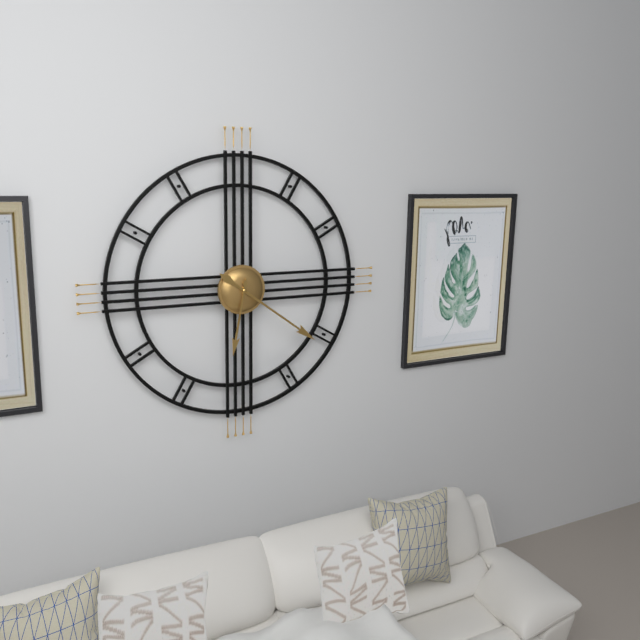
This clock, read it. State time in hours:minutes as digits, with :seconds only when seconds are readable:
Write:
6:21
